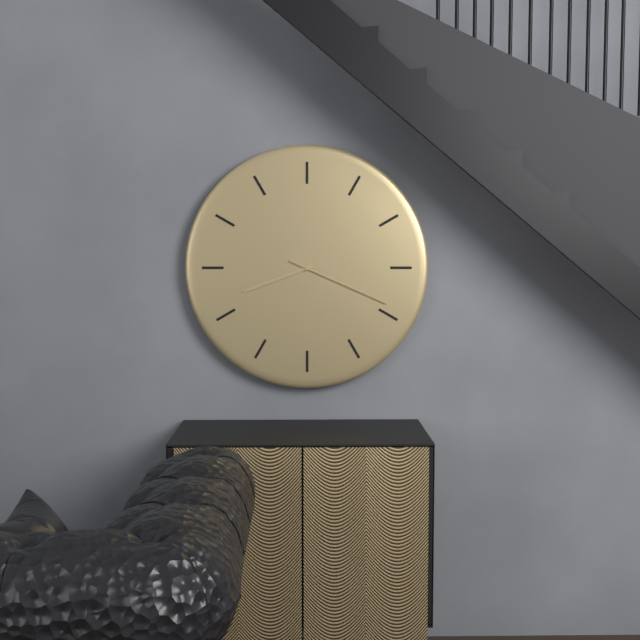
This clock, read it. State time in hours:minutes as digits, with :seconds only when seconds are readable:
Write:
8:19
